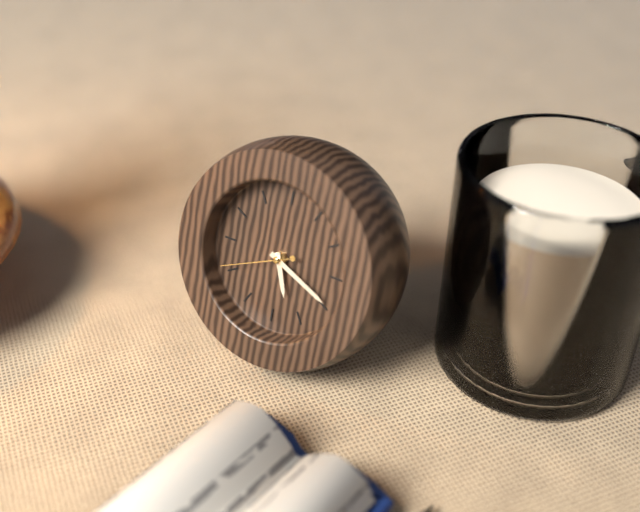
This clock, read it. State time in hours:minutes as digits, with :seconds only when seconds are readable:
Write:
5:19:41
